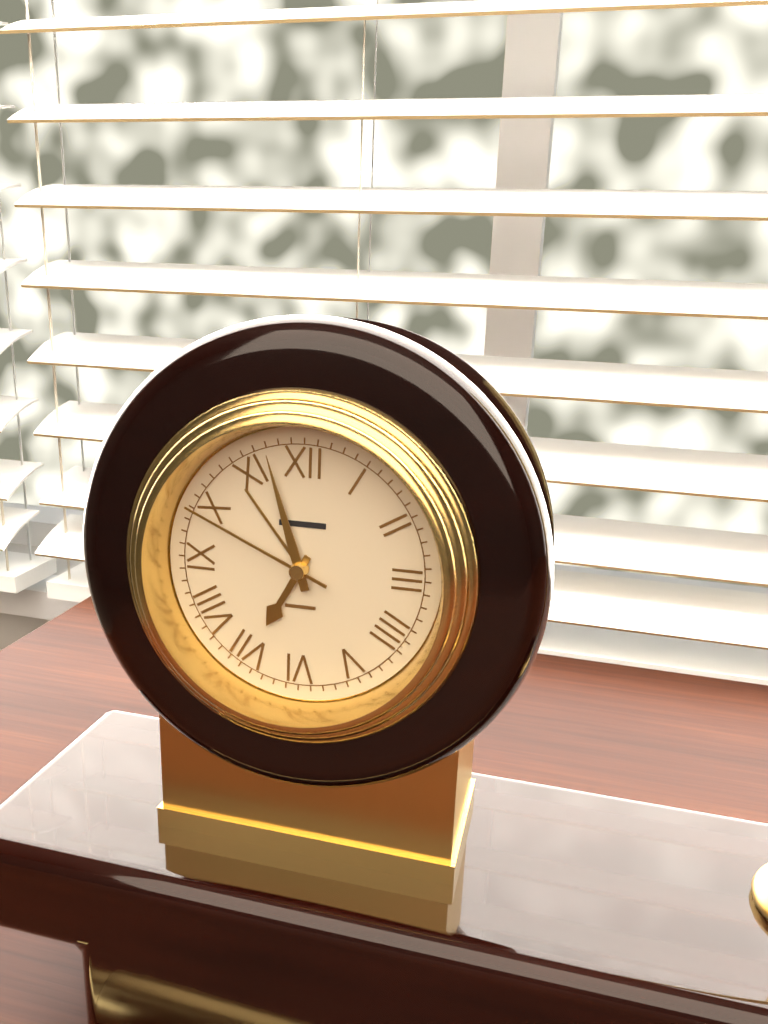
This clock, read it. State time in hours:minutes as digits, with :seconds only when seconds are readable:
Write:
6:57:49
